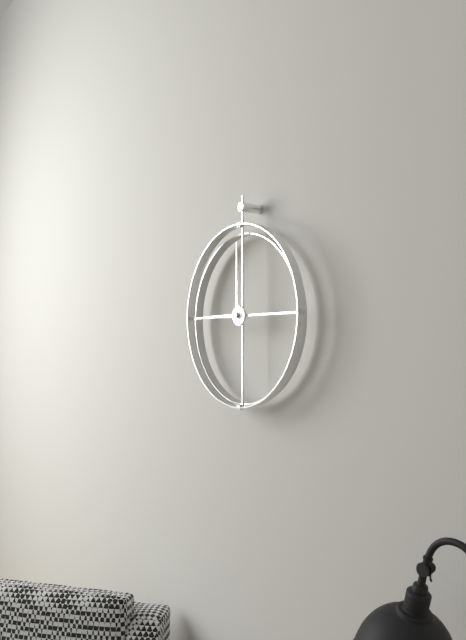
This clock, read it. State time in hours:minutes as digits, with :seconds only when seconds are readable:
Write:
9:00
